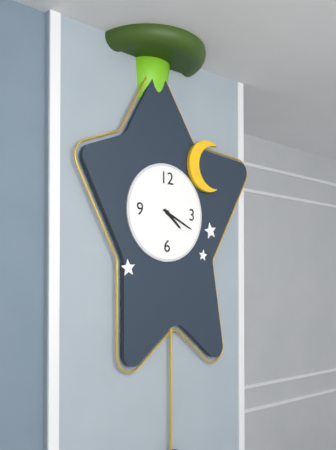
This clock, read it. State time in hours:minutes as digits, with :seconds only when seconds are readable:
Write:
4:19
